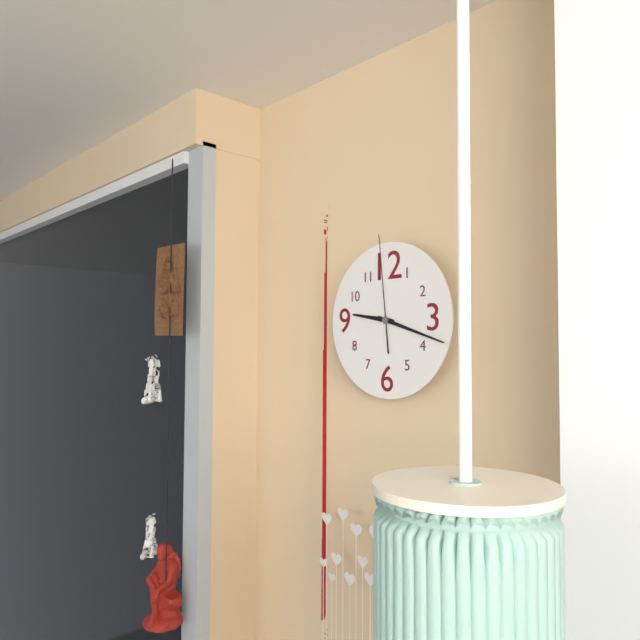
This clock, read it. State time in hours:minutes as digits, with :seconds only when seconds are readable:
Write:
9:18:59
